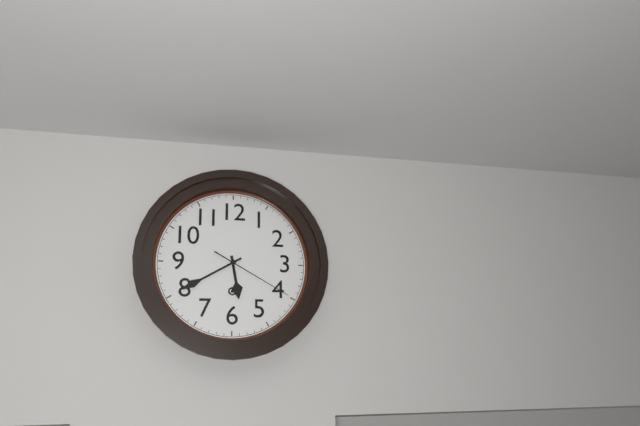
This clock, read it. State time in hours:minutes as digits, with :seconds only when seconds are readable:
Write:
5:40:20
